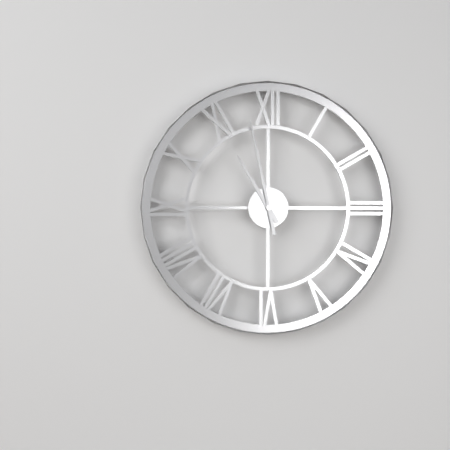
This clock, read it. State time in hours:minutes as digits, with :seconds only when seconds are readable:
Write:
10:58
